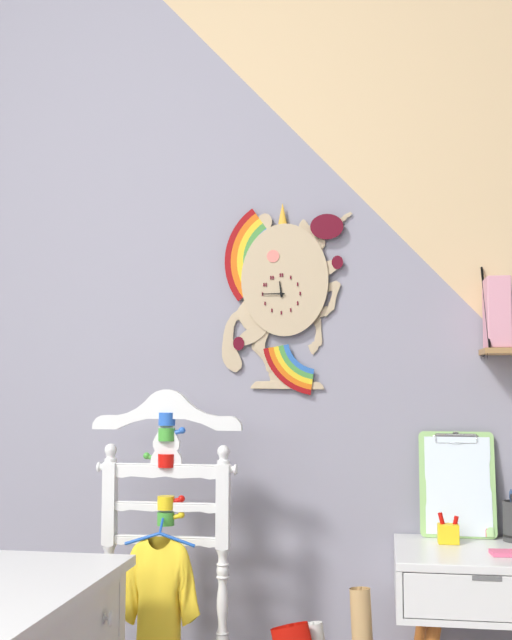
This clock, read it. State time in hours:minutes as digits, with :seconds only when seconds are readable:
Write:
11:45
